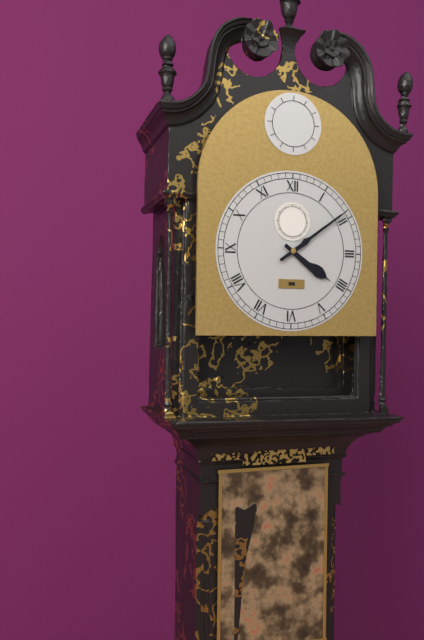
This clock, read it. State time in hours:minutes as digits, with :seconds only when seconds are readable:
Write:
4:09
